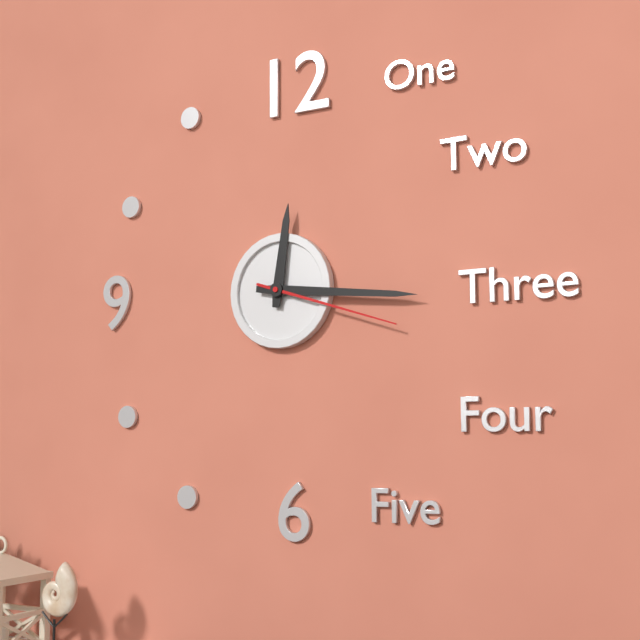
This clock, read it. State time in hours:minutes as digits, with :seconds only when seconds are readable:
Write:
12:16:18
